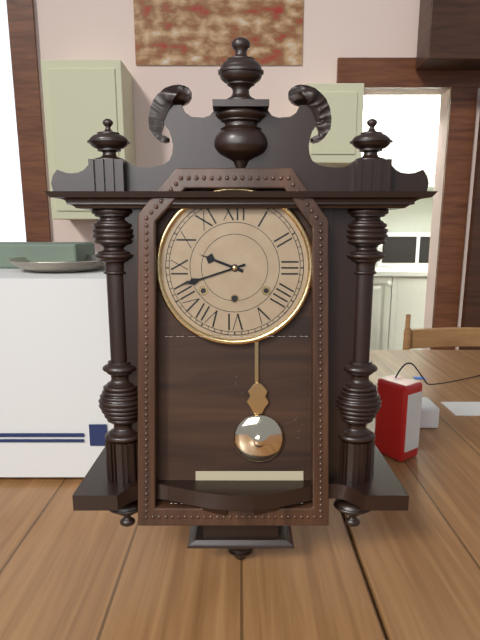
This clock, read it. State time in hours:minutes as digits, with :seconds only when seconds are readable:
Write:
9:42
